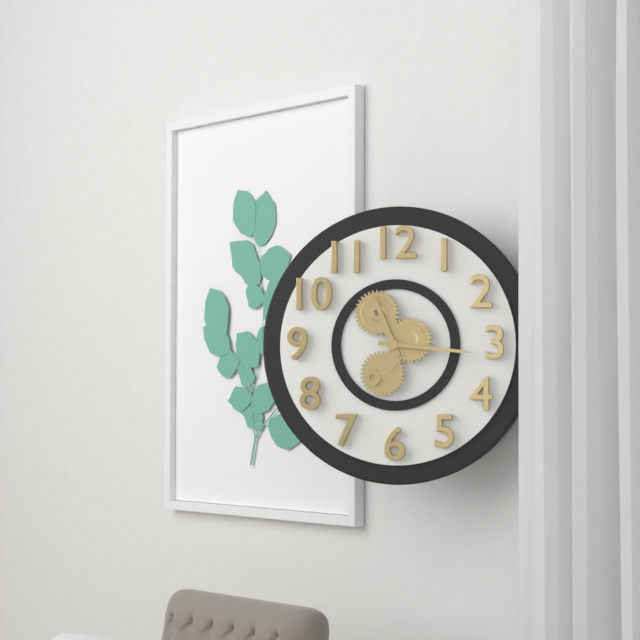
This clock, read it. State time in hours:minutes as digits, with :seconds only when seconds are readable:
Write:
11:16
